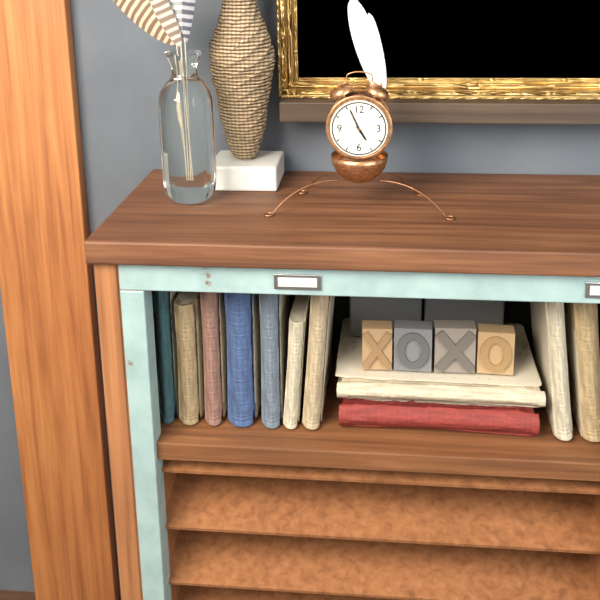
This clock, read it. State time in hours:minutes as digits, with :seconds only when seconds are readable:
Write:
4:56
